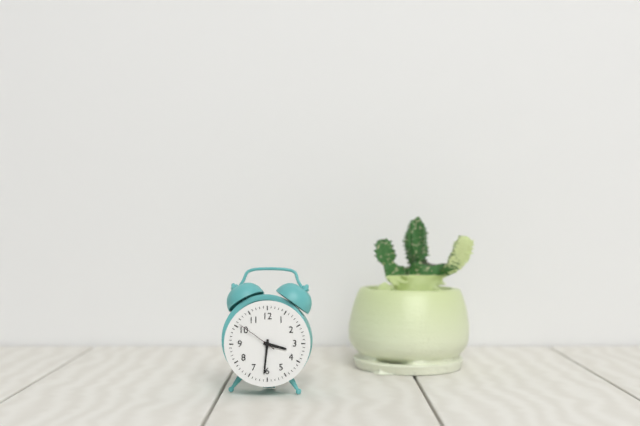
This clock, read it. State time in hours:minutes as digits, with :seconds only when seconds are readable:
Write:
3:31
